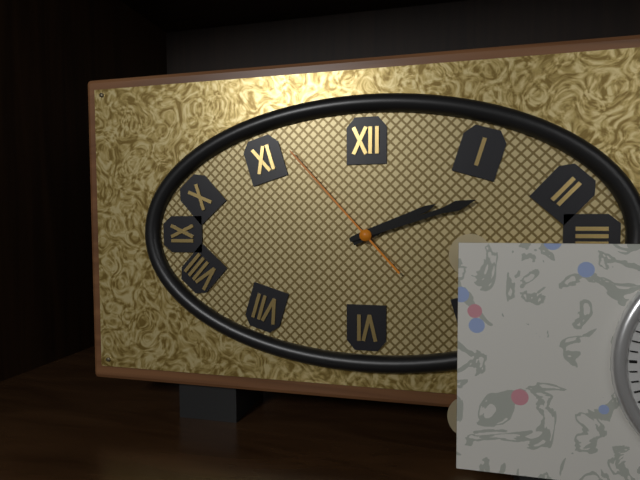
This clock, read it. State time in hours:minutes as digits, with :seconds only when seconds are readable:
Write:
2:12:53
